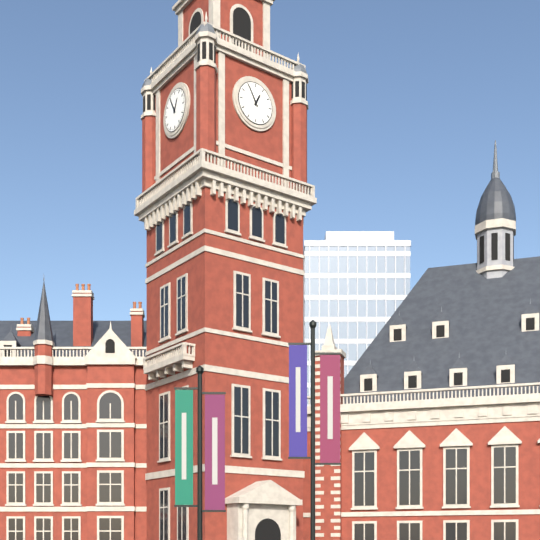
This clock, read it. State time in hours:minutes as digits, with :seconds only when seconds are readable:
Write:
12:55
